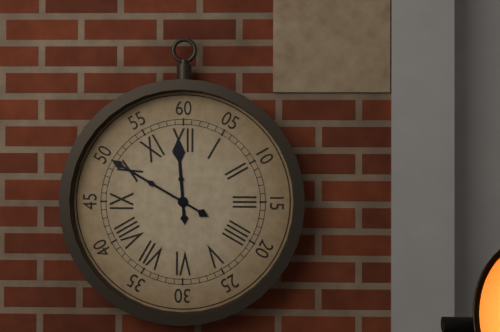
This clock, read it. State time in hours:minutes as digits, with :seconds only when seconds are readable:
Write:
11:50
